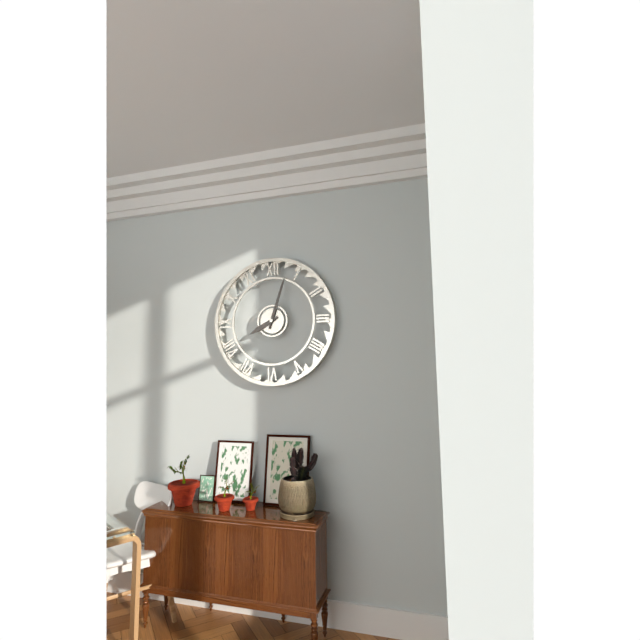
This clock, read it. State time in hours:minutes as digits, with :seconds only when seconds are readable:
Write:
8:03
